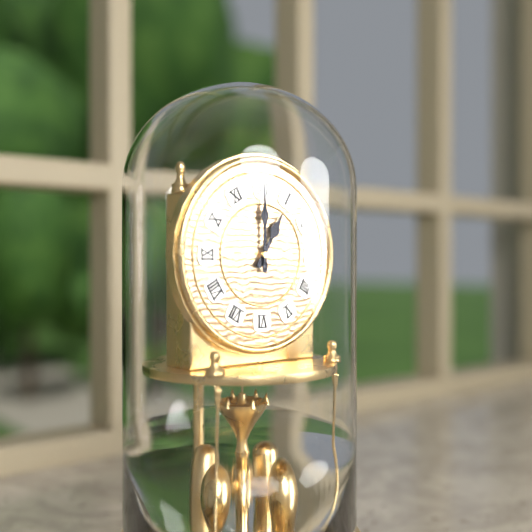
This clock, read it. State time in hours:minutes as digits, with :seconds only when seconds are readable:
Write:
1:00
